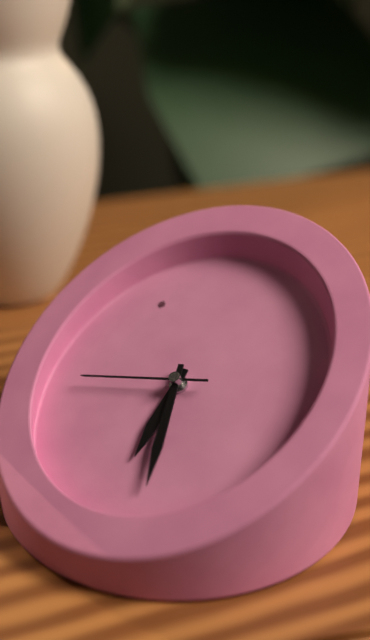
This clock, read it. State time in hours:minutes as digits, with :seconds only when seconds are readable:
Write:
8:41:56
